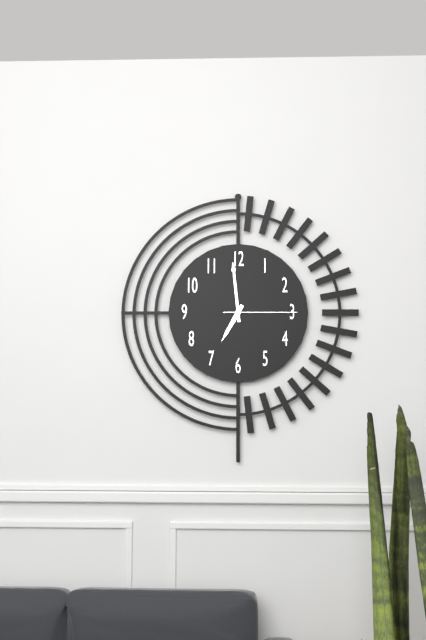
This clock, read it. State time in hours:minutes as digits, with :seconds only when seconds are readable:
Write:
6:59:15
